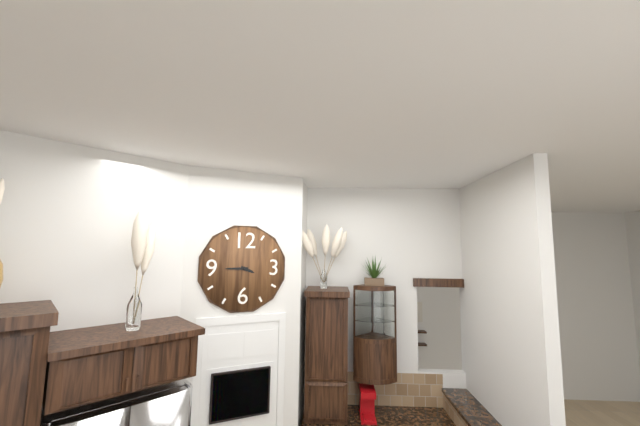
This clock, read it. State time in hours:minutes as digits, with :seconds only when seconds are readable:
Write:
3:45
